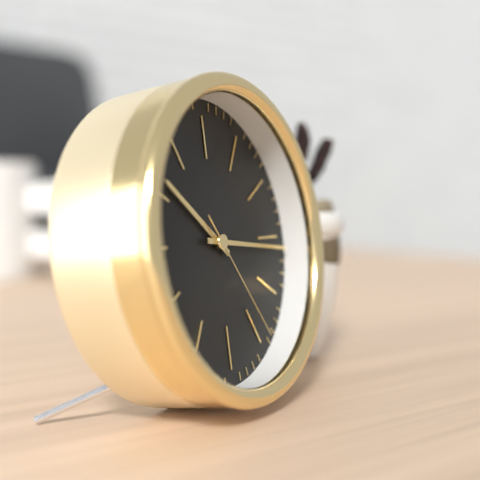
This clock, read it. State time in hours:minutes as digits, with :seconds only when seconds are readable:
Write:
10:16:24
